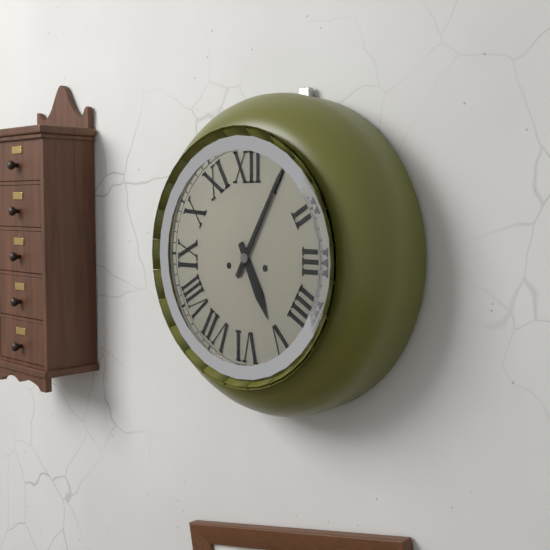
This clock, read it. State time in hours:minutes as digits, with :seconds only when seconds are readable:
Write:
5:05
